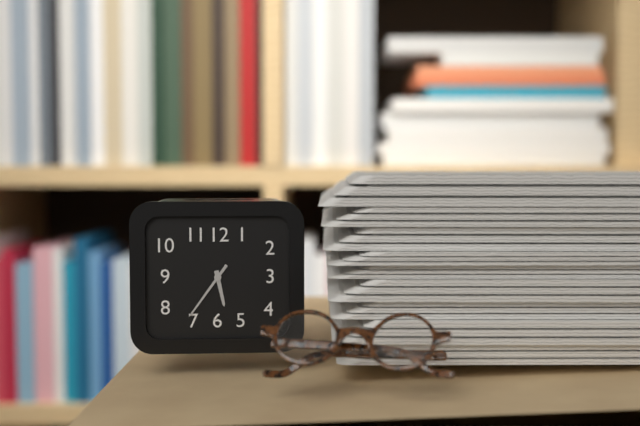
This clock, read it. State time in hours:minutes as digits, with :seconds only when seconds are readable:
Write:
5:36
